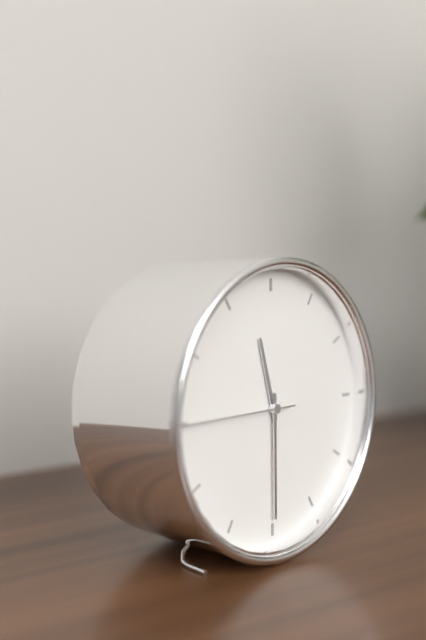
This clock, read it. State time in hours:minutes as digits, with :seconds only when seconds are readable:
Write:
11:30:45
